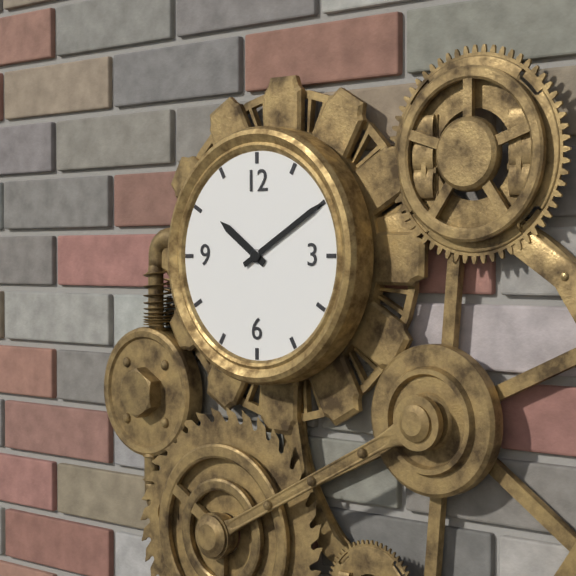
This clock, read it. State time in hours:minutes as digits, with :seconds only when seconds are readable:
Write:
10:10
